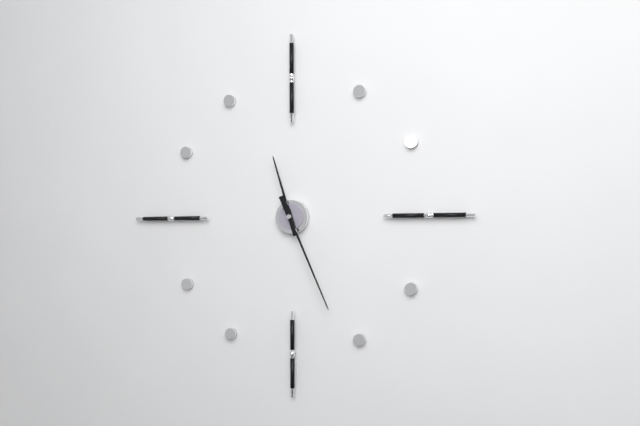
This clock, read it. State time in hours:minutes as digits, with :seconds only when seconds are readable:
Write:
11:26
